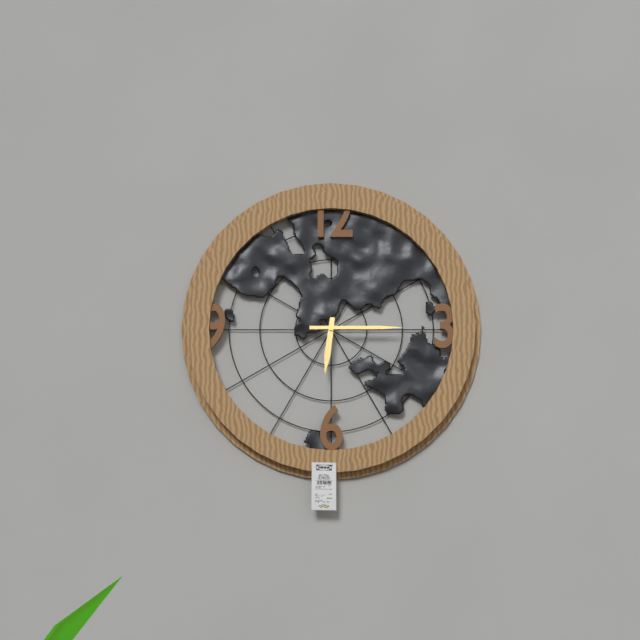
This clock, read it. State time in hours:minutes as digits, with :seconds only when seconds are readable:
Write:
6:15
